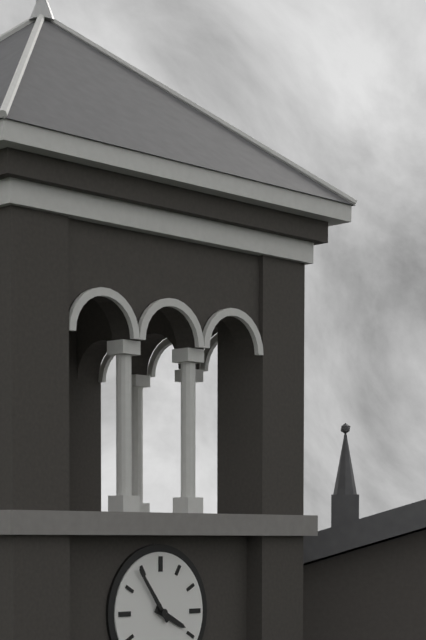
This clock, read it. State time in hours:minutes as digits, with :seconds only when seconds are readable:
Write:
3:54
